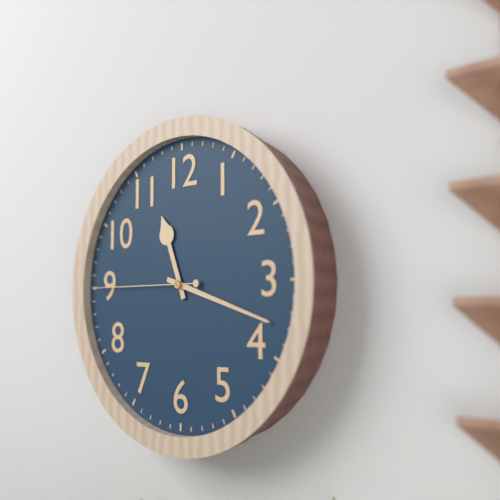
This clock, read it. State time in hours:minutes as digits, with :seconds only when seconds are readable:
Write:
11:18:45
